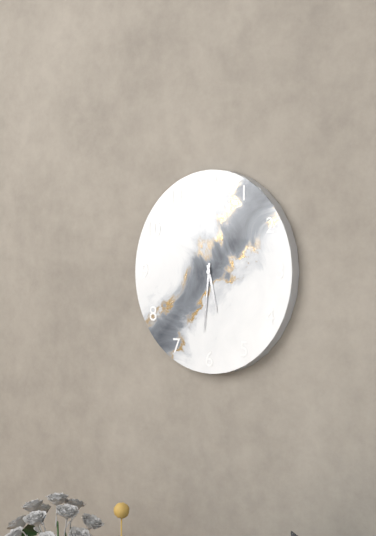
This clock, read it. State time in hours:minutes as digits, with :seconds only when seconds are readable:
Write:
5:31
